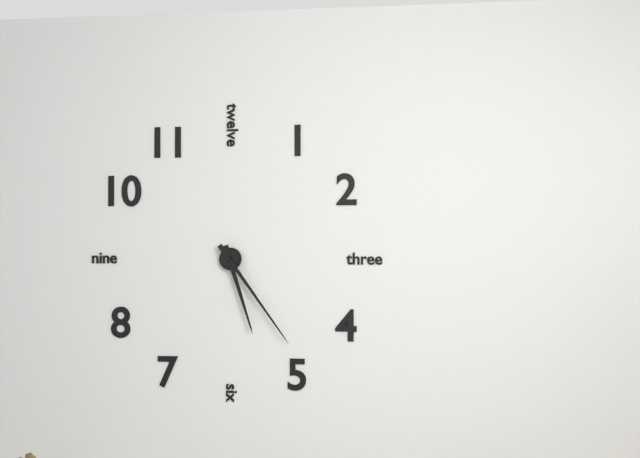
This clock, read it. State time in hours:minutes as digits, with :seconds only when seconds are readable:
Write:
5:24
